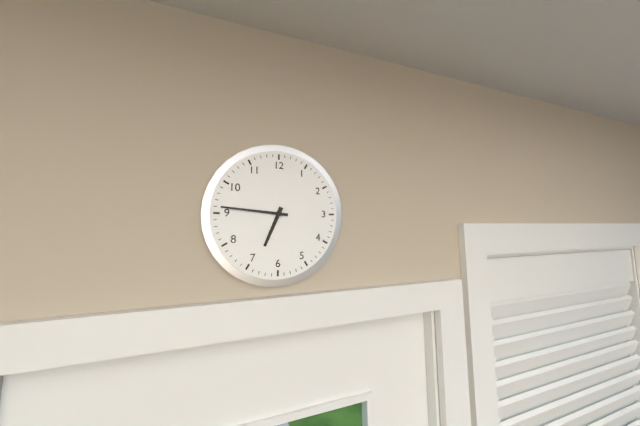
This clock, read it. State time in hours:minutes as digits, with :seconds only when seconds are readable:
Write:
6:46
